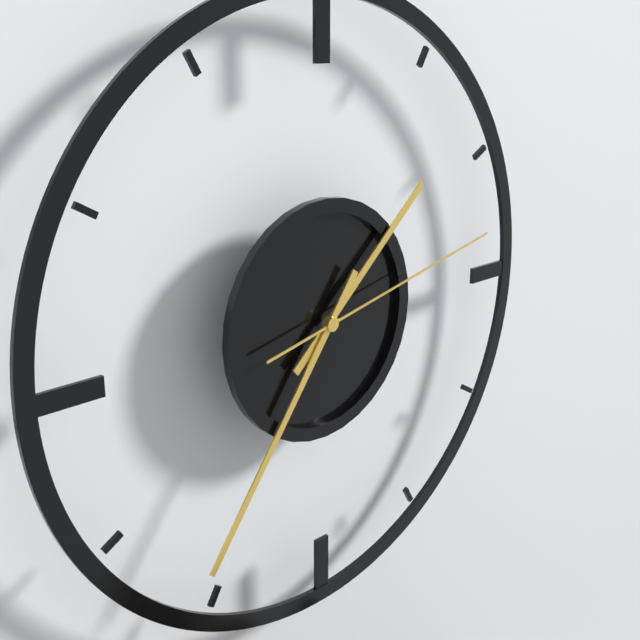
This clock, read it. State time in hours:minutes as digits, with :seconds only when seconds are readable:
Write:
1:36:13
